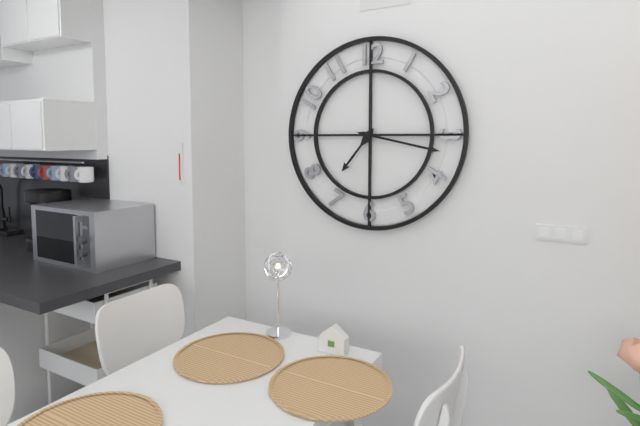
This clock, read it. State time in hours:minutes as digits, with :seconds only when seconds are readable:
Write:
7:17
